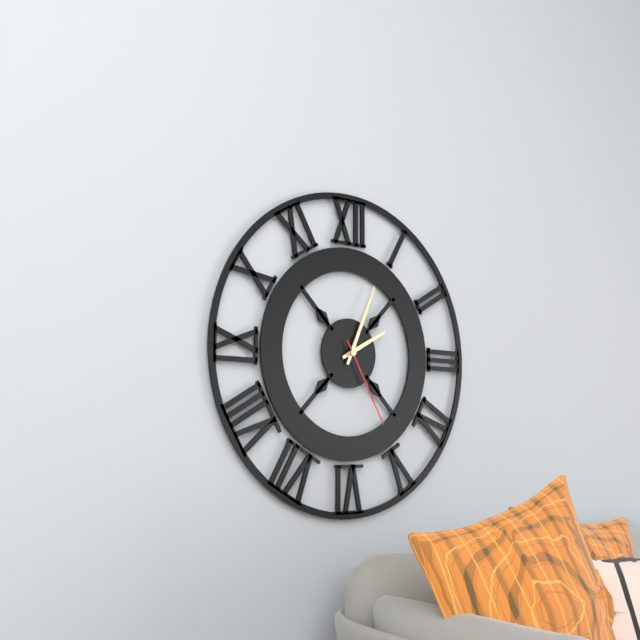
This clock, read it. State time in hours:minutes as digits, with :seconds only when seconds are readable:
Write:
2:04:25
